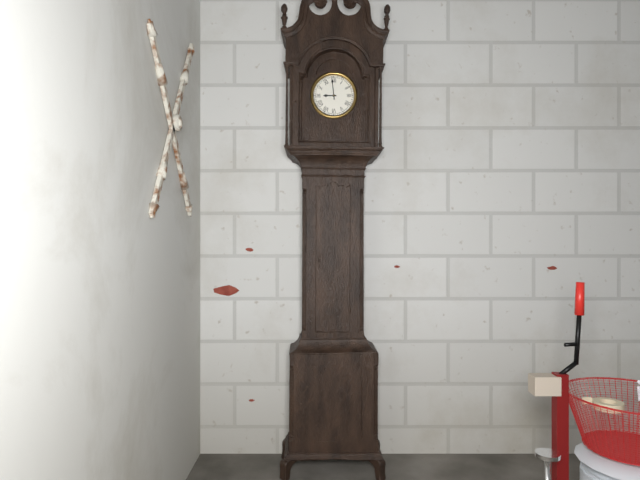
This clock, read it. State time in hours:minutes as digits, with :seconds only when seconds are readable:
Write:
8:59
